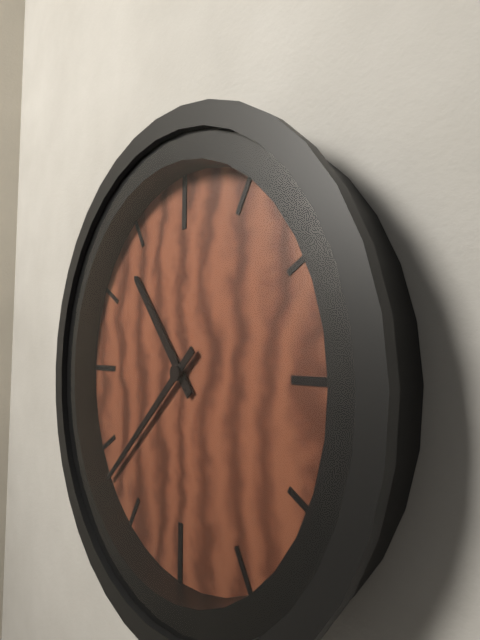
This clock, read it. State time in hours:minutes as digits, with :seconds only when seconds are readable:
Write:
10:38
